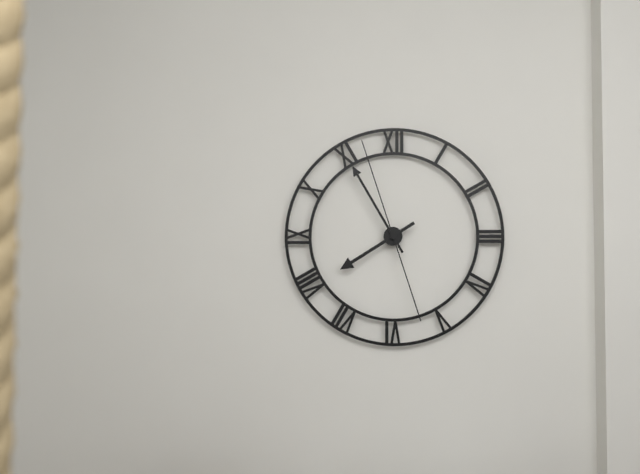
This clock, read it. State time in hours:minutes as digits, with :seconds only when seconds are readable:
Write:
7:55:57
